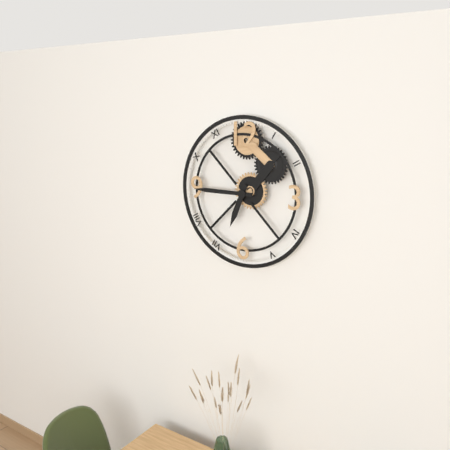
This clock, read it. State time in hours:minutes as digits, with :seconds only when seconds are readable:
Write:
6:45
